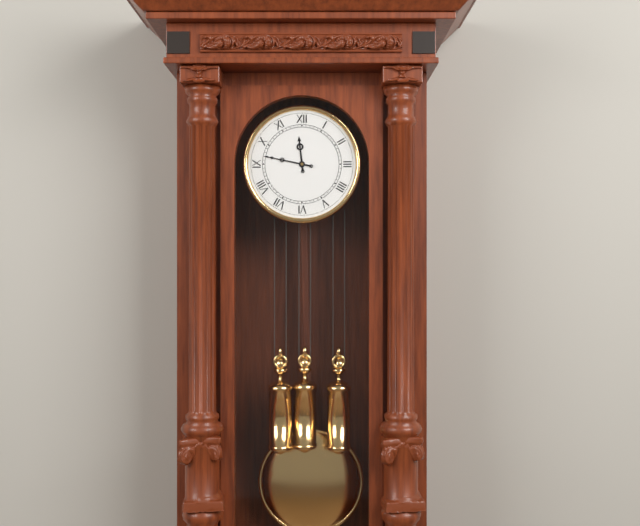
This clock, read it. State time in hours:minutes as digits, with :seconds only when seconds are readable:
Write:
11:47
